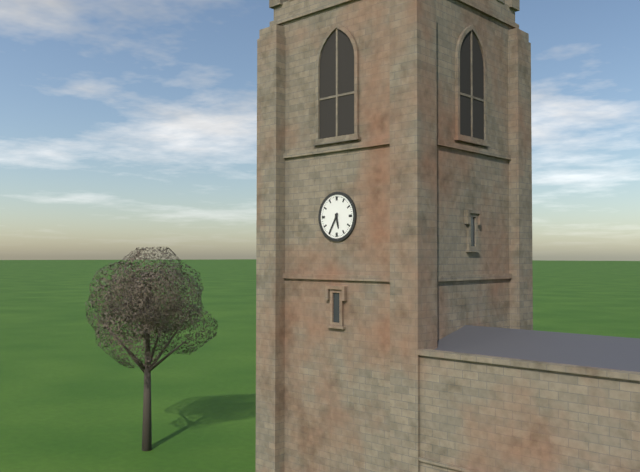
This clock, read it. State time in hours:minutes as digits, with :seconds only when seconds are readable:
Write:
5:35
